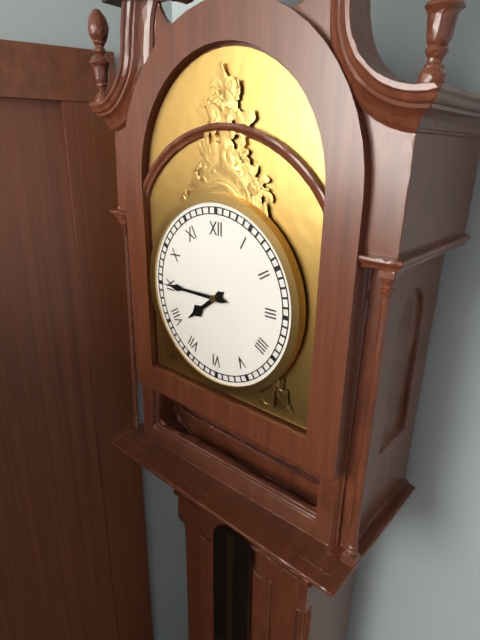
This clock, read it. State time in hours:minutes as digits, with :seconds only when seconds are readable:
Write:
7:45
